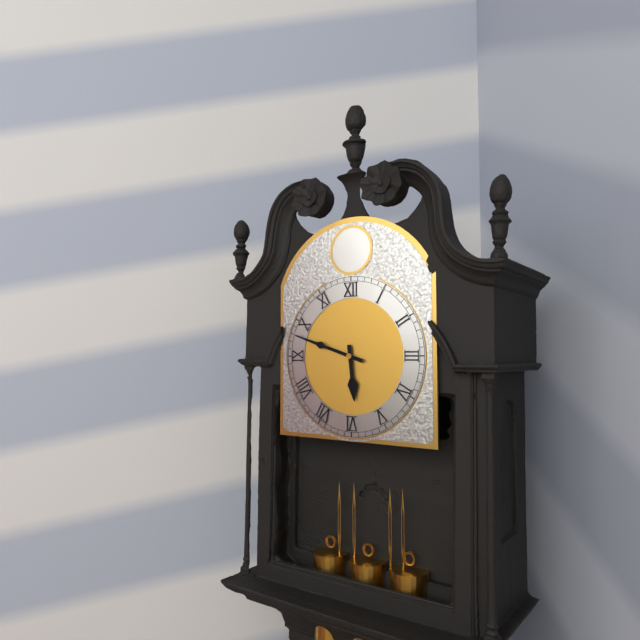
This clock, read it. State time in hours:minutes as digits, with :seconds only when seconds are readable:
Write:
5:48
